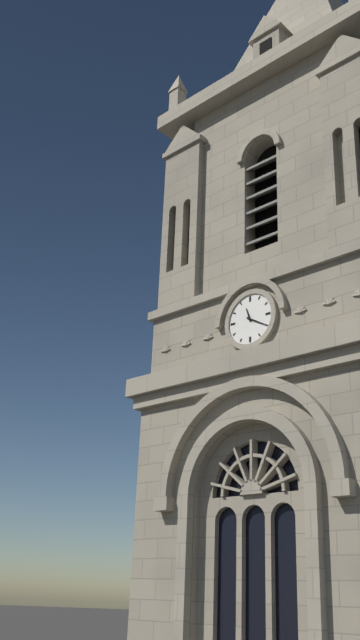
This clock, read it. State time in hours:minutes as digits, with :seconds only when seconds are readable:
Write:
11:20
